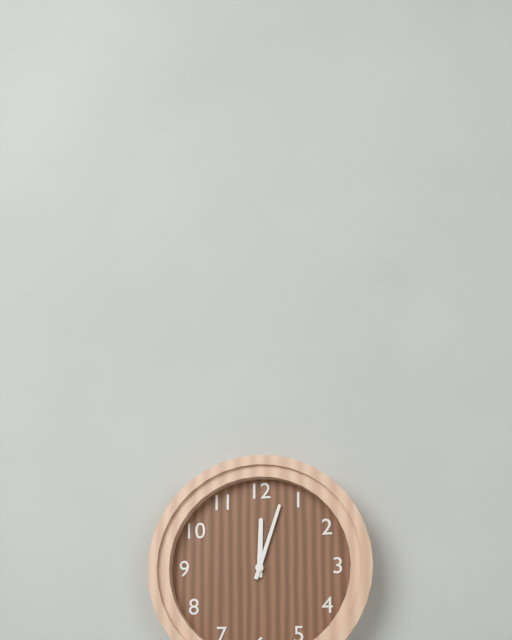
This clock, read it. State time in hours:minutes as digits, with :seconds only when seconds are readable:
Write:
12:03
